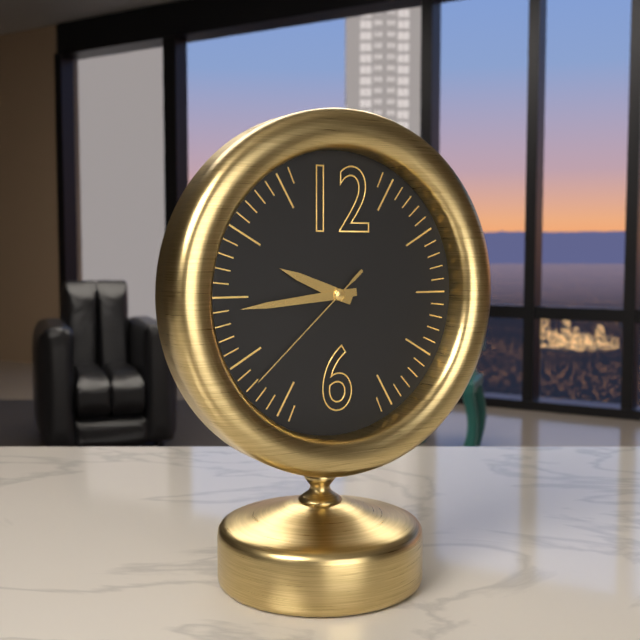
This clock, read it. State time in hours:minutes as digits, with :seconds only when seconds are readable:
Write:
9:44:38
